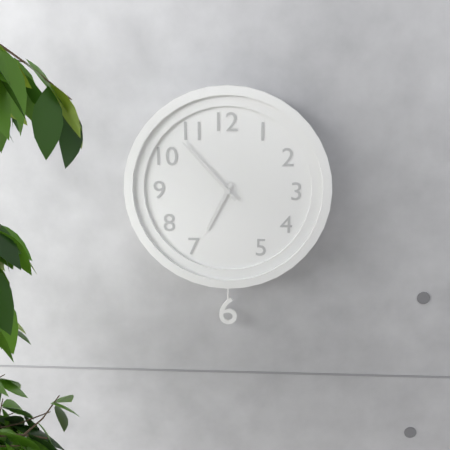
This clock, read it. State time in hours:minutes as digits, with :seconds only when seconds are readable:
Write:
6:53
